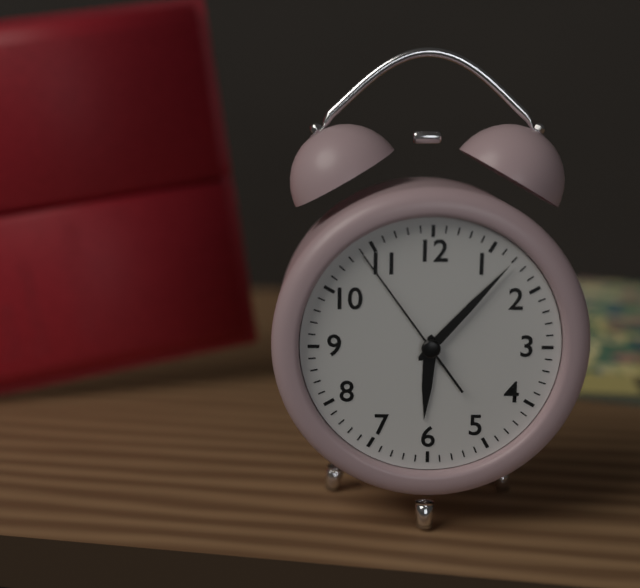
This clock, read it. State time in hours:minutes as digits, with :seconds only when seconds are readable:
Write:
6:07:54
